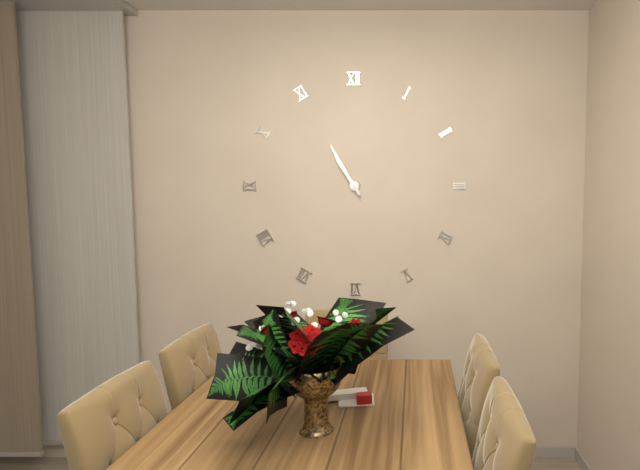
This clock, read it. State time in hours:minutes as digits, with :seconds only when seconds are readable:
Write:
10:55
